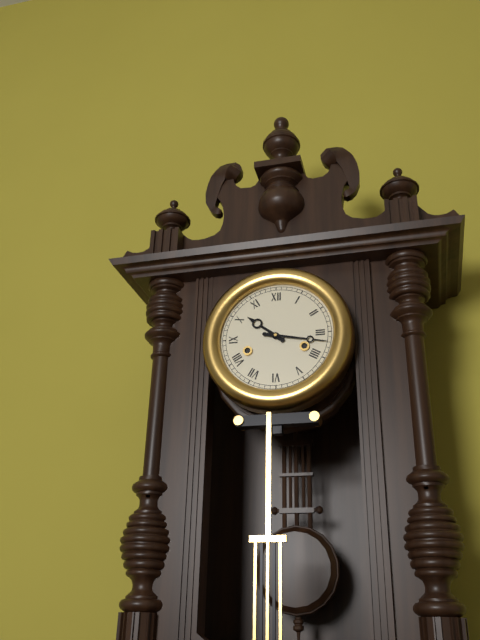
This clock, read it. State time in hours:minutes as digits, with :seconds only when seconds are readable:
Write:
10:17
